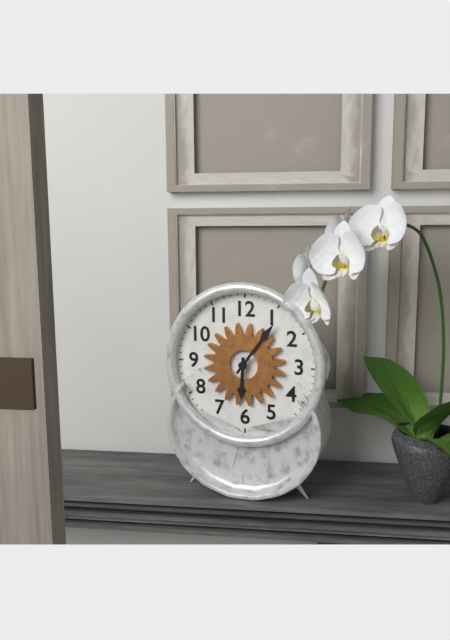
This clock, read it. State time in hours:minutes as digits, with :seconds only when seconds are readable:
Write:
6:06
